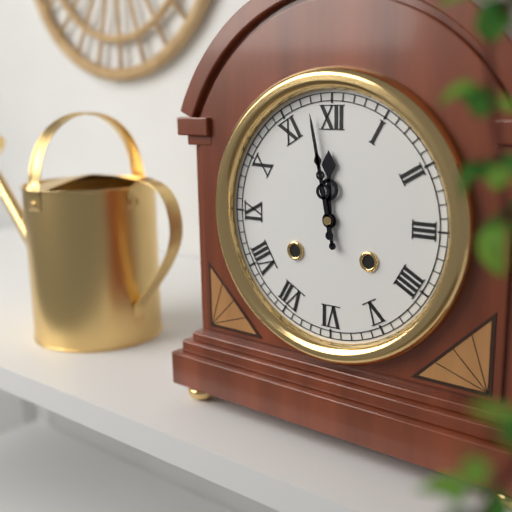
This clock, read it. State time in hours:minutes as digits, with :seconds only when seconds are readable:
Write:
11:58
